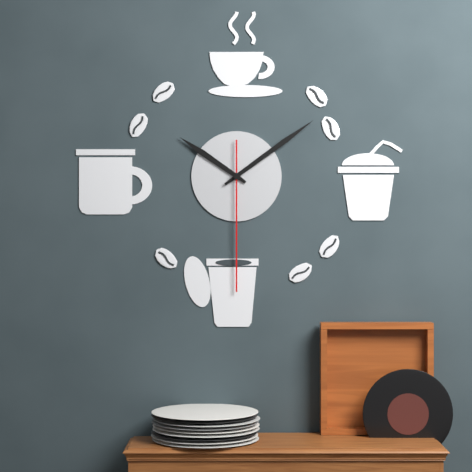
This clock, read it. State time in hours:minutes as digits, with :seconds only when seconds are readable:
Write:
10:09:30
